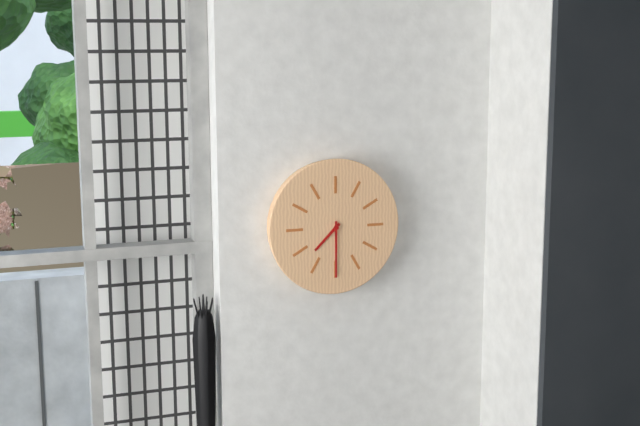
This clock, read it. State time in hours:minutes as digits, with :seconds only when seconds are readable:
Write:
7:30
